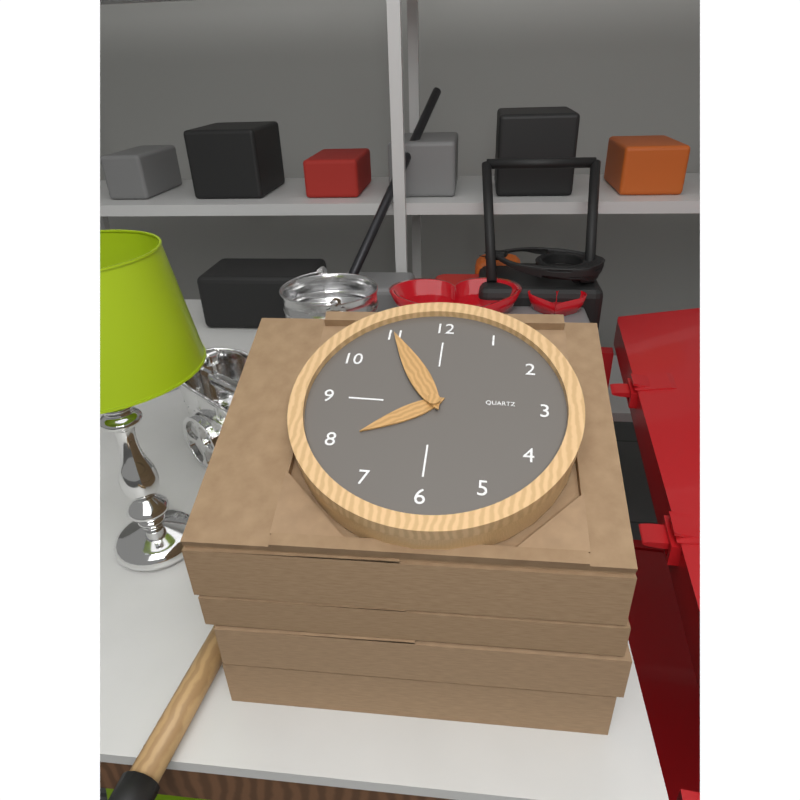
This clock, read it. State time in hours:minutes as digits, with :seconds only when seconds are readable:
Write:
7:55
